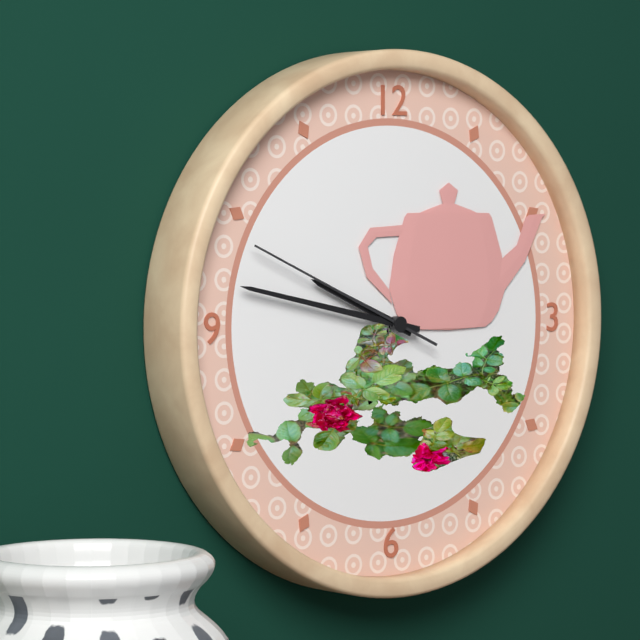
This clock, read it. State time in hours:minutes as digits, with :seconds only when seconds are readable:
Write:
9:47:49
